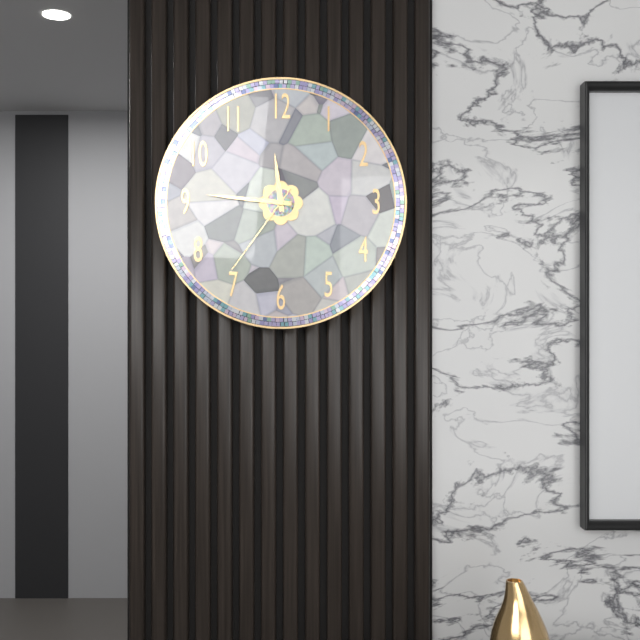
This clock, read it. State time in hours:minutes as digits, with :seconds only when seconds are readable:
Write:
11:46:36
